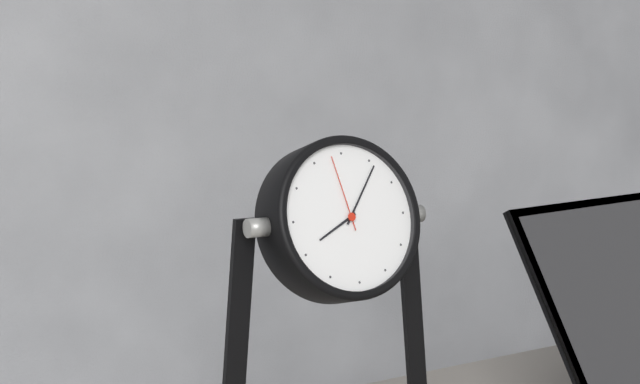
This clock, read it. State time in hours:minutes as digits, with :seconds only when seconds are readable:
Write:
8:06:58
